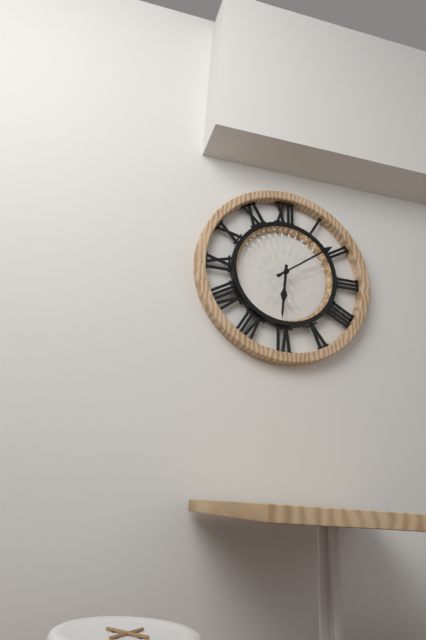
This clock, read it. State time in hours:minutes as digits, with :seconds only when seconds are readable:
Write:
6:09
